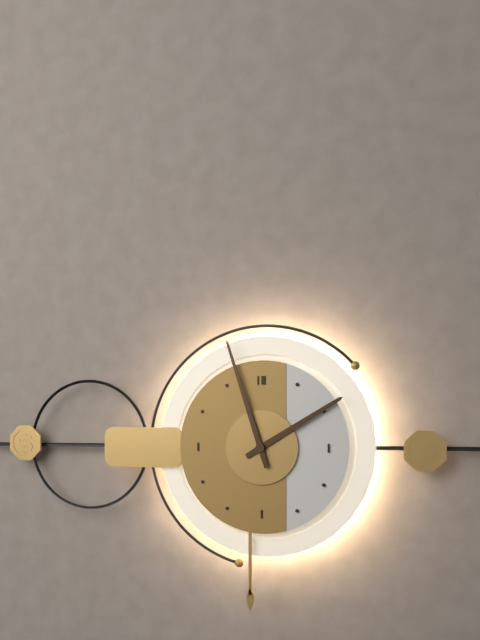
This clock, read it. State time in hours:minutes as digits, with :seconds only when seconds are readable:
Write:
1:57
